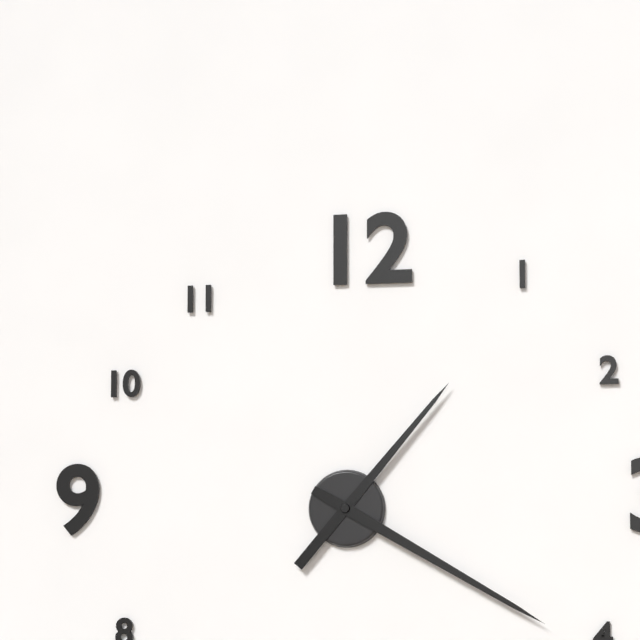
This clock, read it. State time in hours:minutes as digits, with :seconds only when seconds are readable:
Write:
1:20
